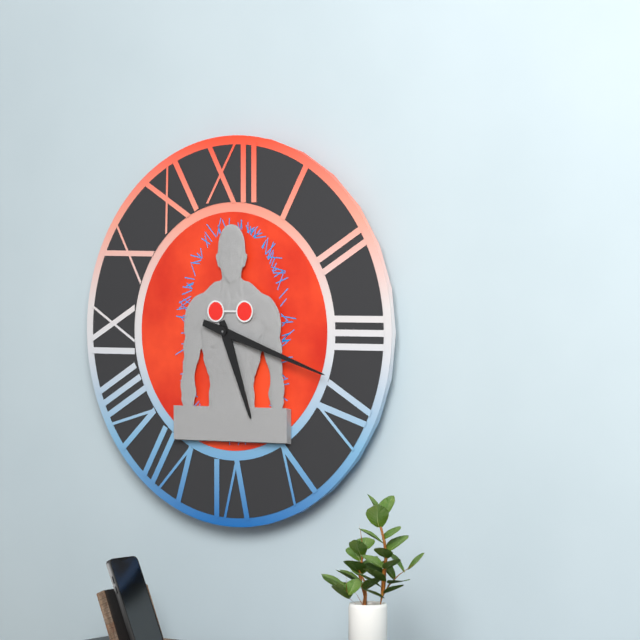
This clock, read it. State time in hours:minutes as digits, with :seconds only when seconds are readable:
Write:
5:18
